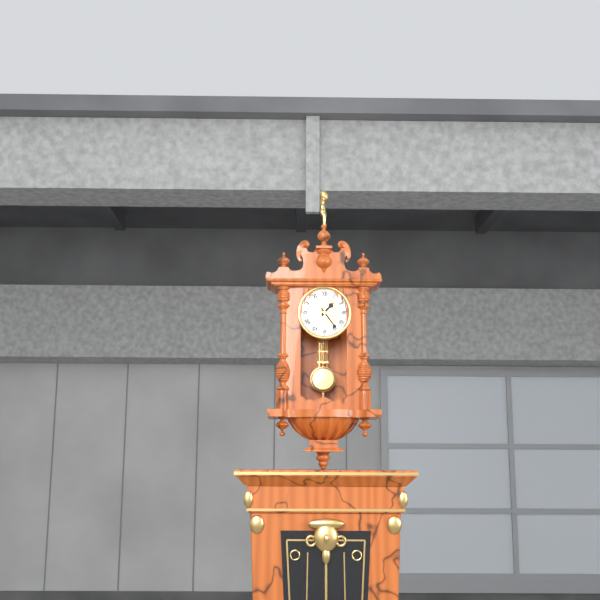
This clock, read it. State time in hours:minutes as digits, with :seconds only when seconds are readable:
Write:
1:24
